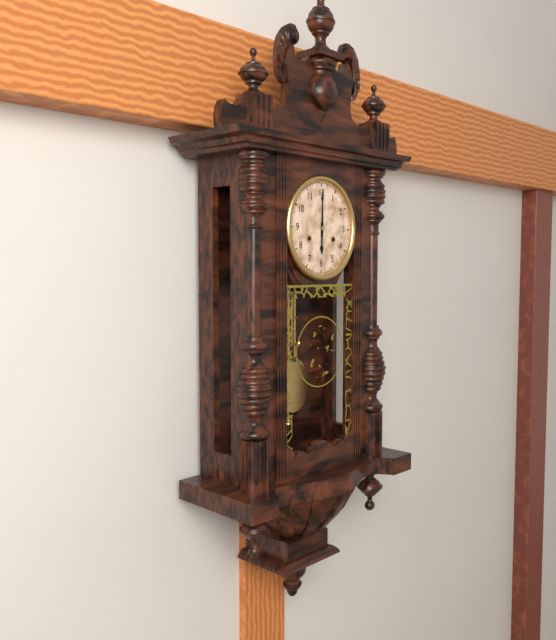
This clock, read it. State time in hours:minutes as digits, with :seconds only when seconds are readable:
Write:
6:00
